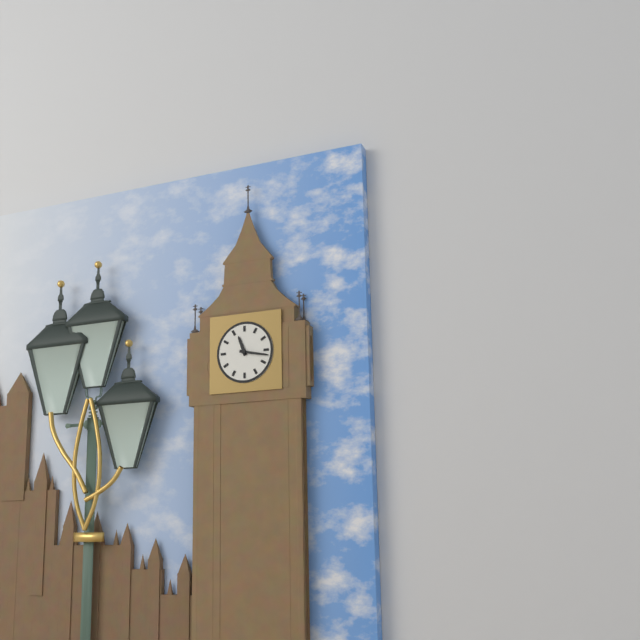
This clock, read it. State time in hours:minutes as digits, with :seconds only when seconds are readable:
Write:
11:17
